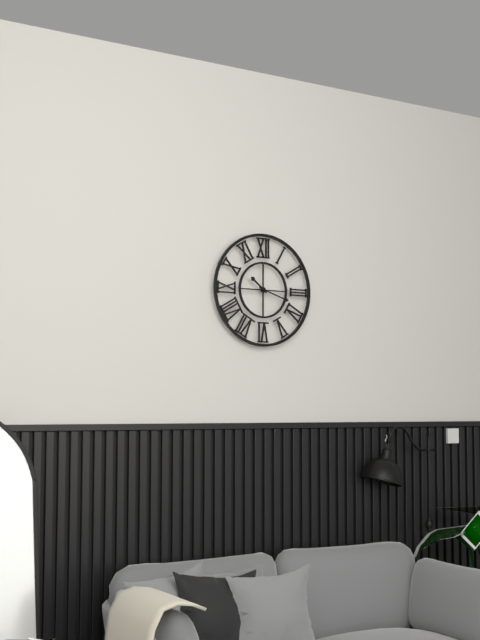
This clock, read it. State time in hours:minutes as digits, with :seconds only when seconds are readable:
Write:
10:18
